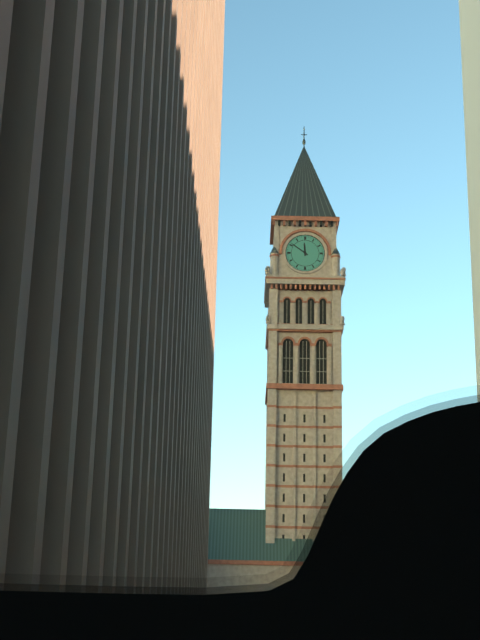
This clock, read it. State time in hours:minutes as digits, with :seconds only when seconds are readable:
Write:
11:51
